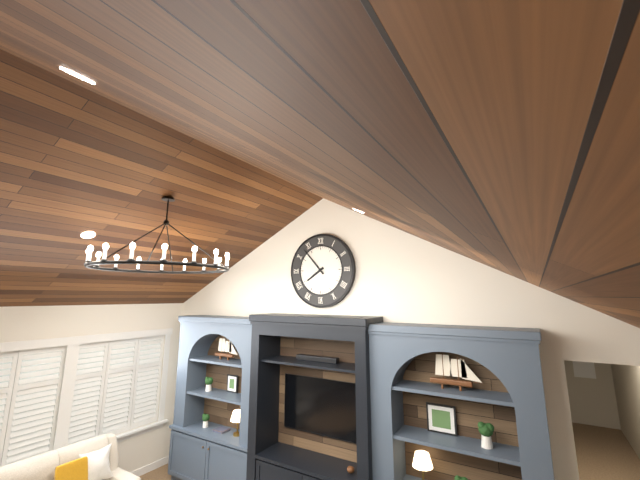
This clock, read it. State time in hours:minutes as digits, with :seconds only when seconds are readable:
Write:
7:53
